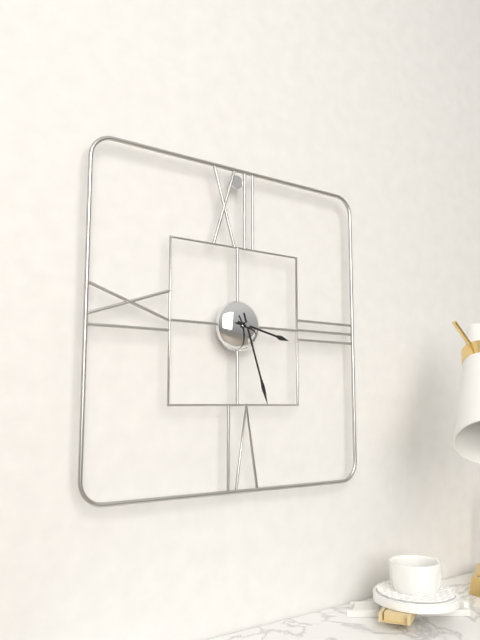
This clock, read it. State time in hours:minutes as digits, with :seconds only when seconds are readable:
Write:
3:27
